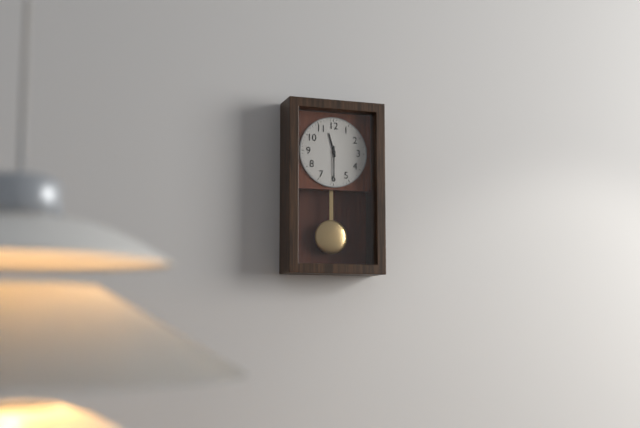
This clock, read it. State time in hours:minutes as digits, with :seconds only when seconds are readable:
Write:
11:30
